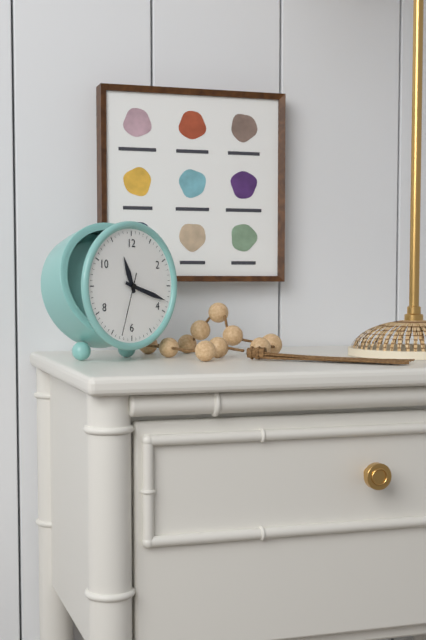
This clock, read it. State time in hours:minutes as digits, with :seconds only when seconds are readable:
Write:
11:18:33
